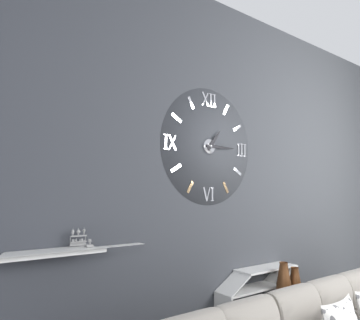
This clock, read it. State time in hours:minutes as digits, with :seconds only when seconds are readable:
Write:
1:15
